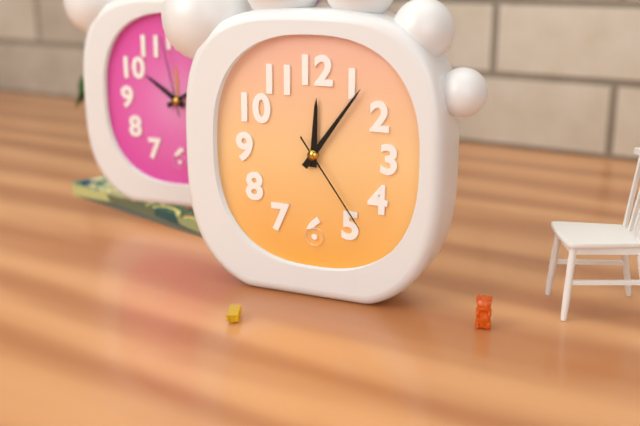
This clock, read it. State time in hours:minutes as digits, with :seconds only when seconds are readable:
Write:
12:06:24
